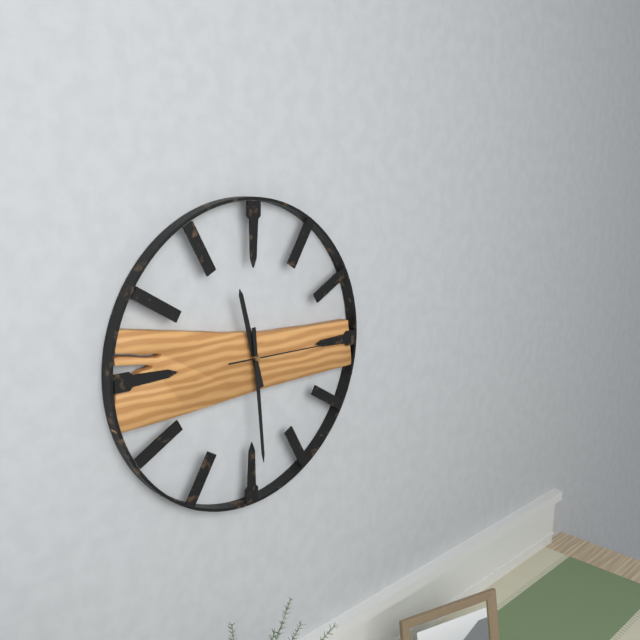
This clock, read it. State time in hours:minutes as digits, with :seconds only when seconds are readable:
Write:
11:29:15
